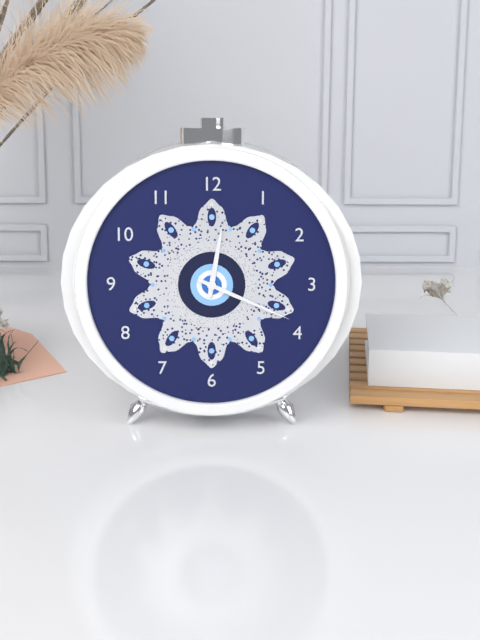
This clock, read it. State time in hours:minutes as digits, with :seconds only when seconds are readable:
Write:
12:19
